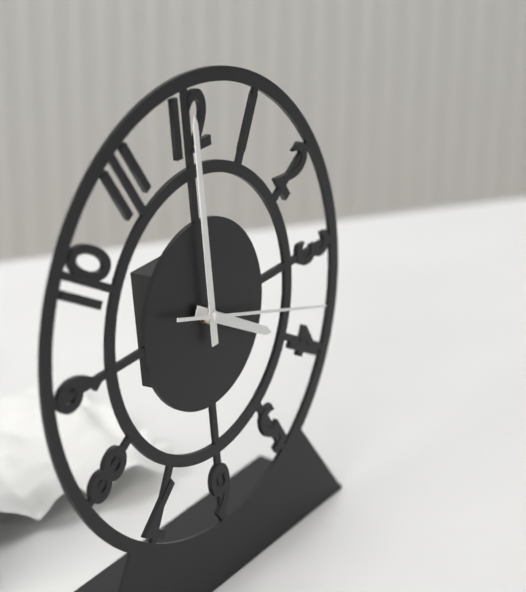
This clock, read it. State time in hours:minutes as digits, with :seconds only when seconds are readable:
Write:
4:00:18
